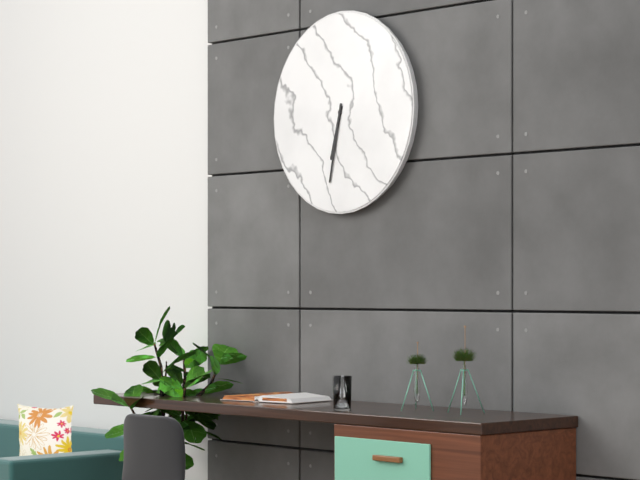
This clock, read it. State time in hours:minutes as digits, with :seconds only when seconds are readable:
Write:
6:32
